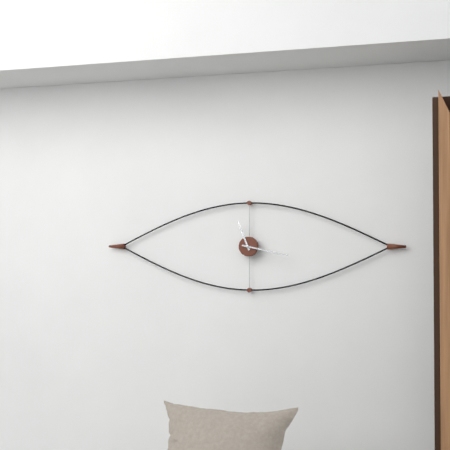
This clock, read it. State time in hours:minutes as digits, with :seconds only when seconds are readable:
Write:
11:17
